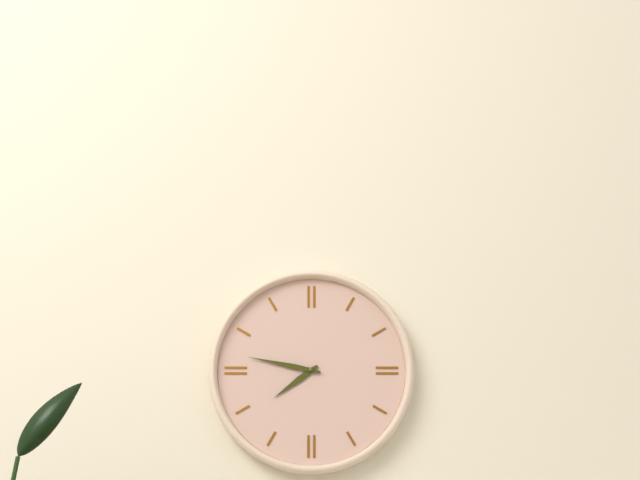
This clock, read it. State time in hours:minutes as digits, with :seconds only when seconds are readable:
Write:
7:47
